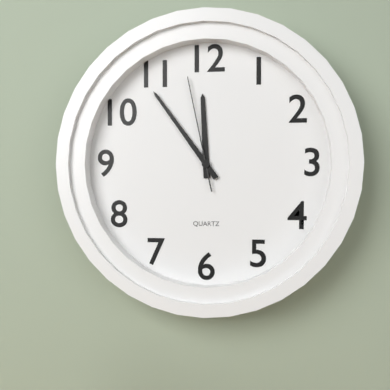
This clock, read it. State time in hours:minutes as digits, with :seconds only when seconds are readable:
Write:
11:54:58
